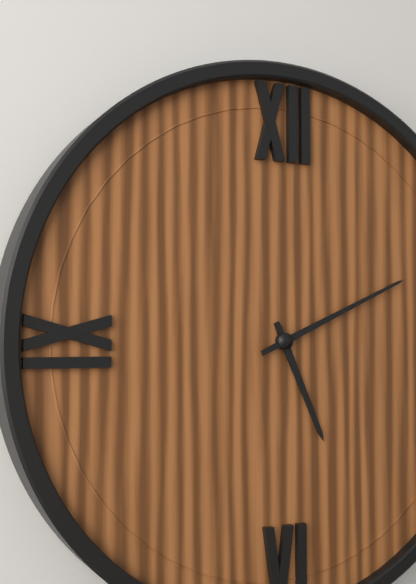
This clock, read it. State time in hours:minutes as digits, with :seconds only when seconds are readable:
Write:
5:11
